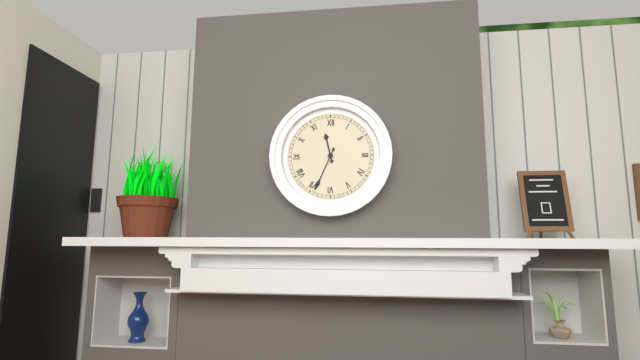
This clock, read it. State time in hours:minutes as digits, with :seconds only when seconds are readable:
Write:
11:34
